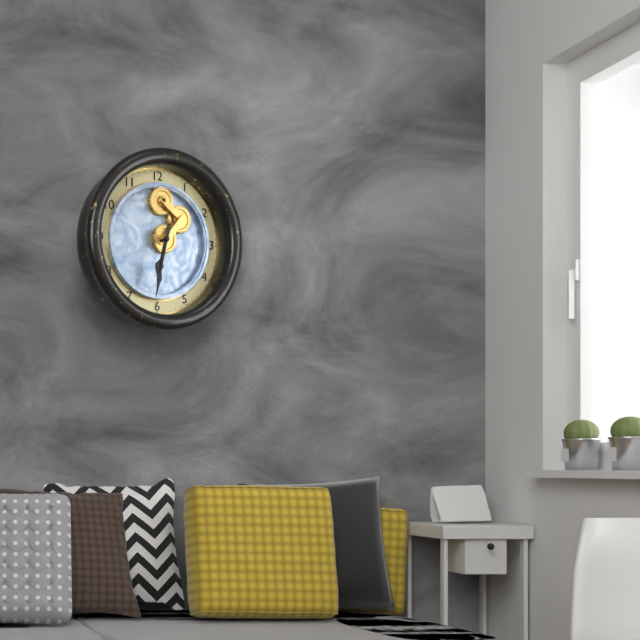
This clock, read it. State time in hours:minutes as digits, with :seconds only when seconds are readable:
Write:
6:32
